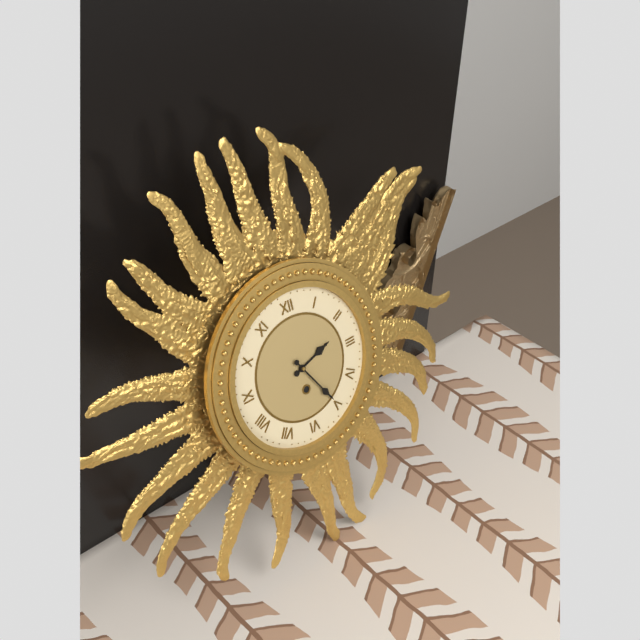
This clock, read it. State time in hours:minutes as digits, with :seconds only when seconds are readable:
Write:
2:25
